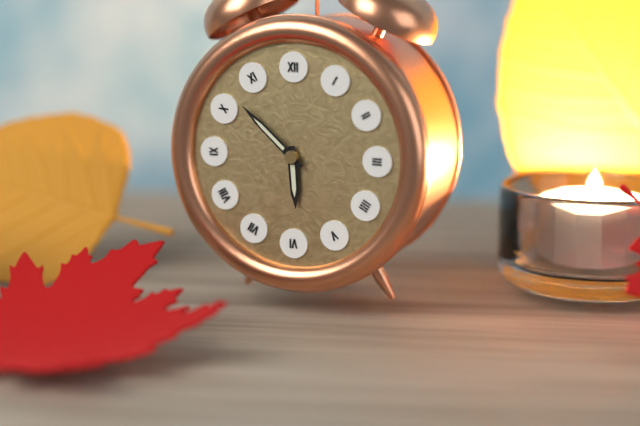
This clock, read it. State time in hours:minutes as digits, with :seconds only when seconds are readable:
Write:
5:52
